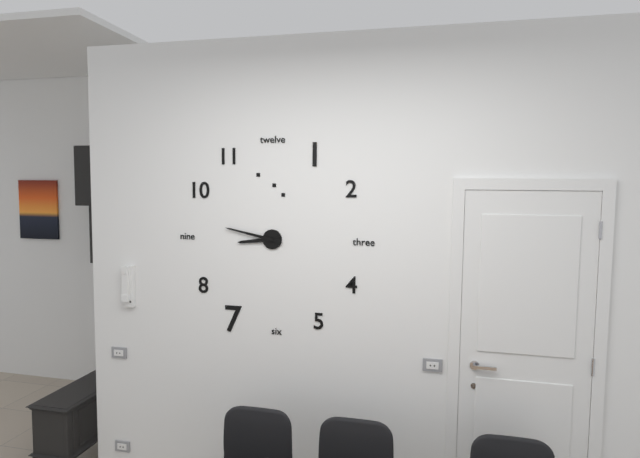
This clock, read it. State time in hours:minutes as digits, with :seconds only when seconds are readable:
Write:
8:47
